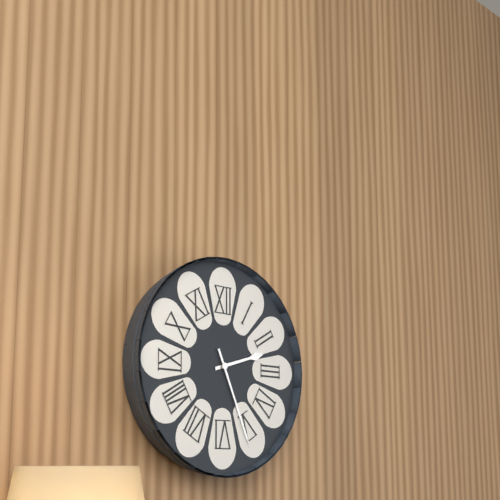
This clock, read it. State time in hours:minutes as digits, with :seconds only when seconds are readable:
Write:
2:26
